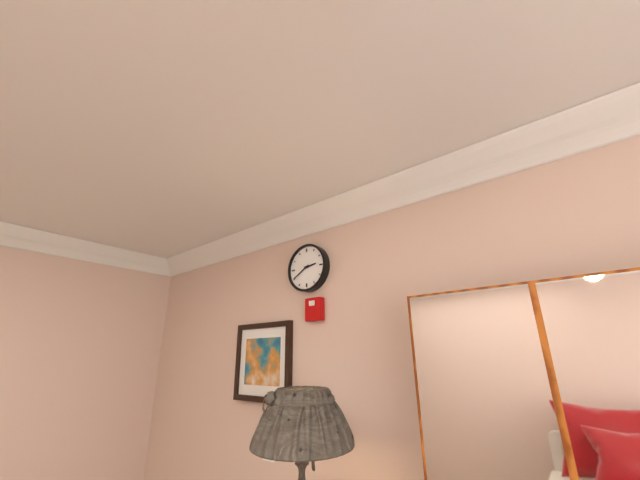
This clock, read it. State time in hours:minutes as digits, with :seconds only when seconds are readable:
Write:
2:40
